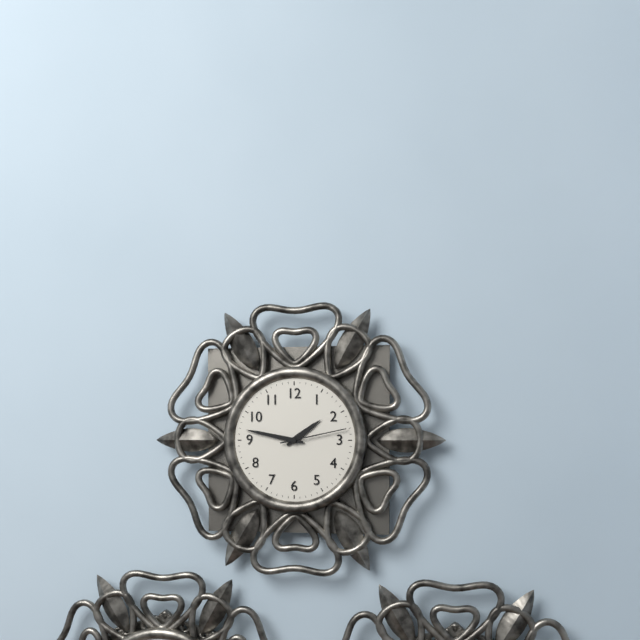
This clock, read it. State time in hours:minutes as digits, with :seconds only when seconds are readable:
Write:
1:47:13
